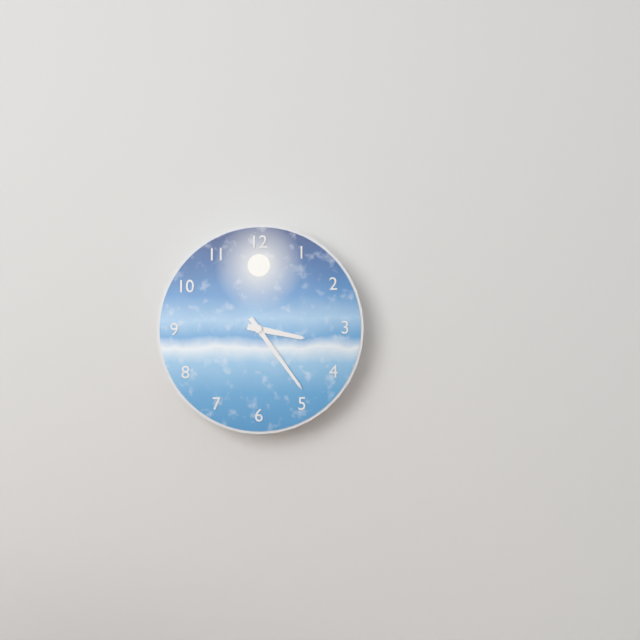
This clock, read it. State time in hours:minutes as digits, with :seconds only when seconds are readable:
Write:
3:24
